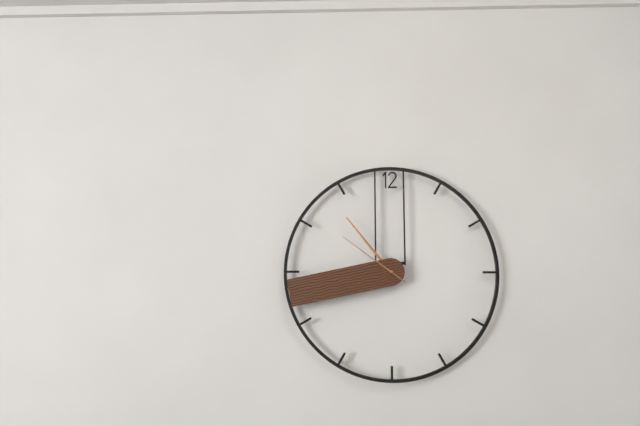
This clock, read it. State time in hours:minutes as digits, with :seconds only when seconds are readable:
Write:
10:43:51
